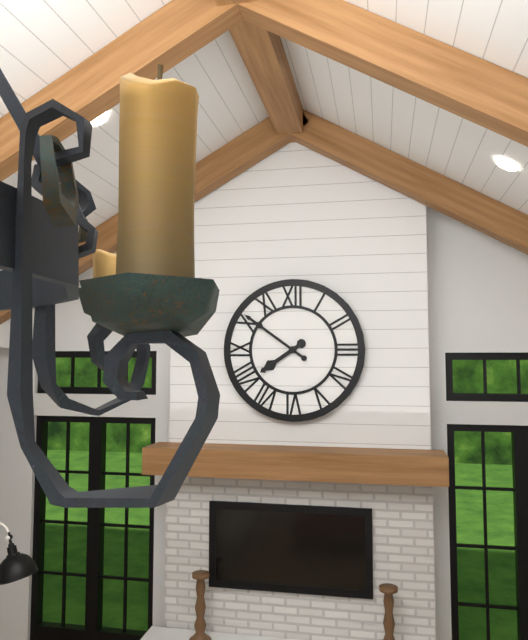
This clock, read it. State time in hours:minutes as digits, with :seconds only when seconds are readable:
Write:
7:51
